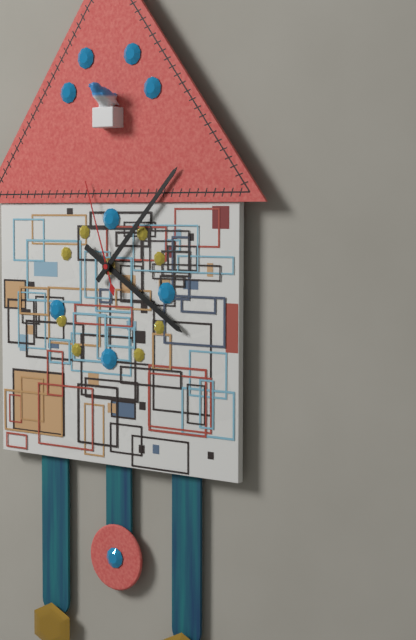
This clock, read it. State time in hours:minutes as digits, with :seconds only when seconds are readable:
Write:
4:07:57
